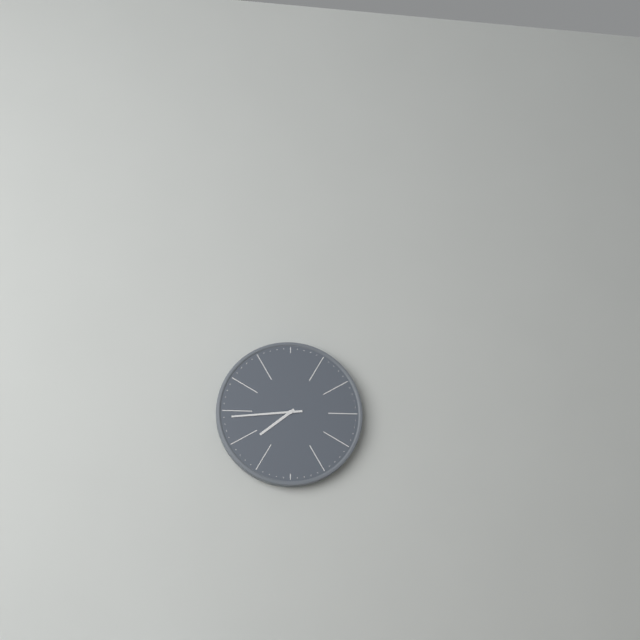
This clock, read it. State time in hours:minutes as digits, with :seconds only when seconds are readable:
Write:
7:44
